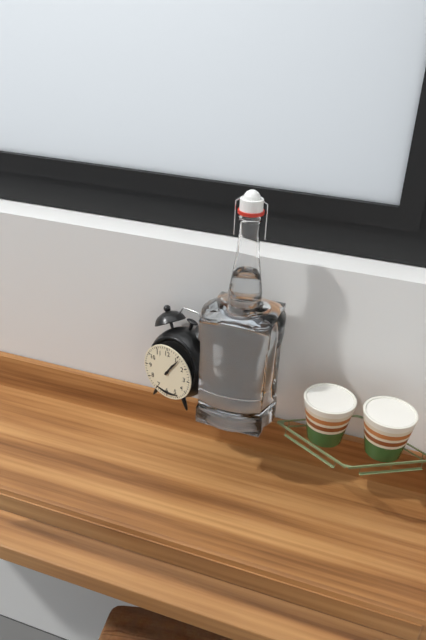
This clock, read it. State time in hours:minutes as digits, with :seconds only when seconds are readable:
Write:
1:06
